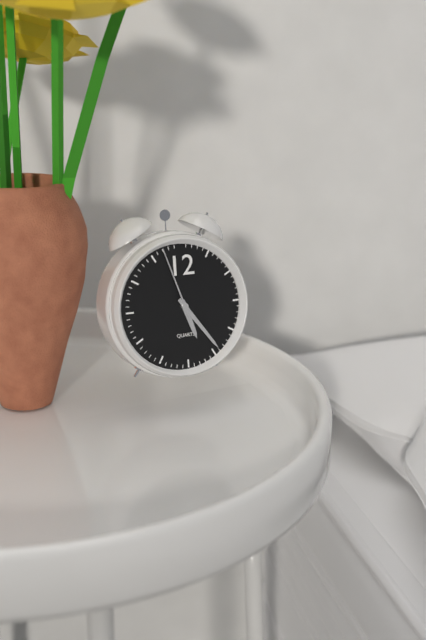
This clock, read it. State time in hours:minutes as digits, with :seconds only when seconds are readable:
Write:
5:24:57
